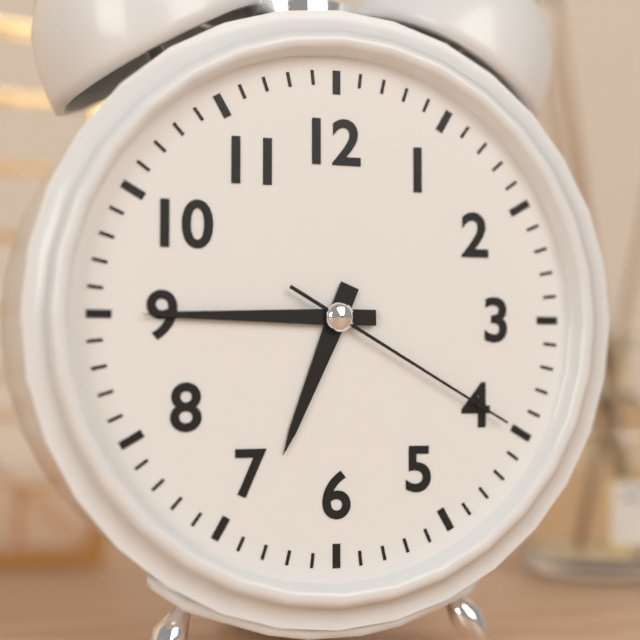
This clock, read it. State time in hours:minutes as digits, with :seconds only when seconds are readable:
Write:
6:45:20
